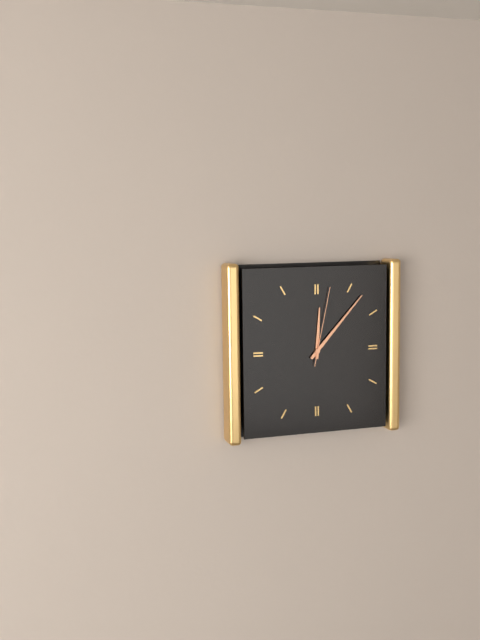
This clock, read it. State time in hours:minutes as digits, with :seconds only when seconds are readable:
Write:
12:07:02
